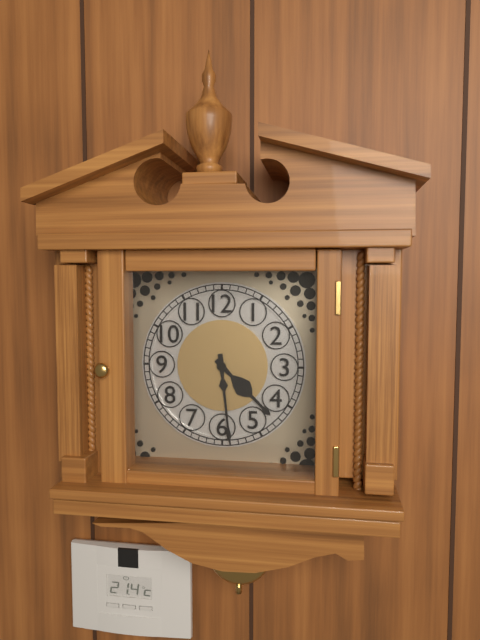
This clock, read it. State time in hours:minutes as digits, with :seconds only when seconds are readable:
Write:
4:29
